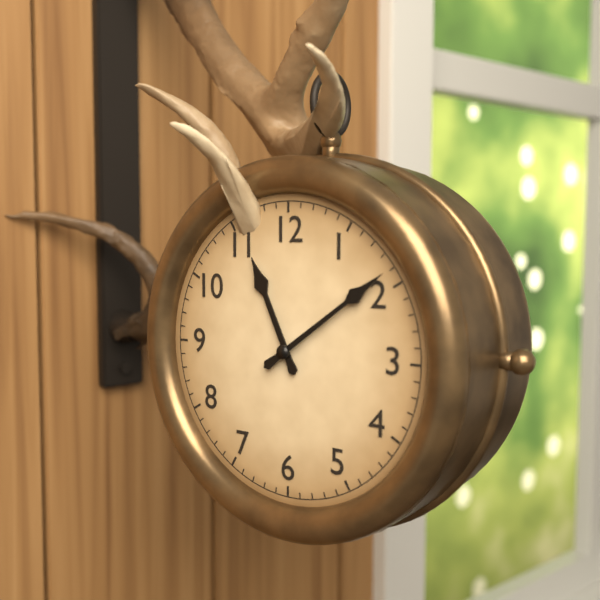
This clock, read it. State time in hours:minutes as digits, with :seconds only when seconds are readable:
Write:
11:09
